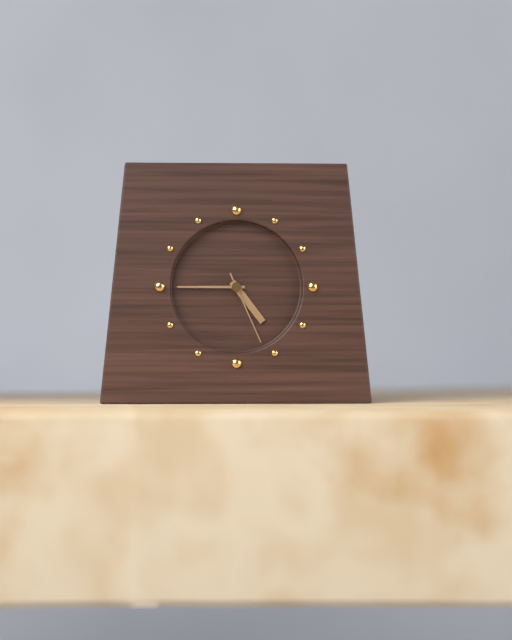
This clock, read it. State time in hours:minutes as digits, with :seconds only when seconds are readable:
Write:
4:45:26
